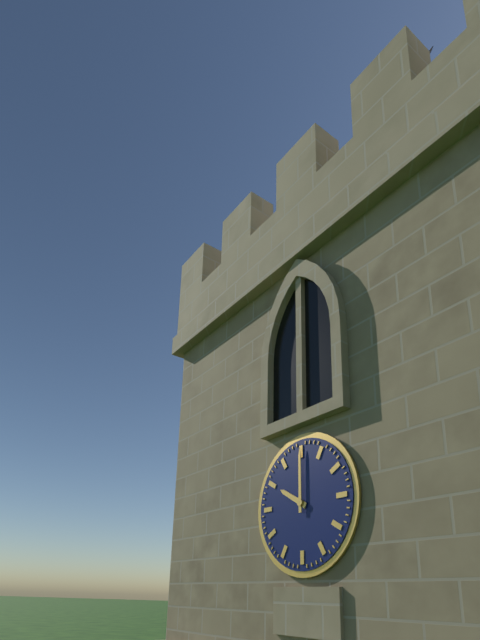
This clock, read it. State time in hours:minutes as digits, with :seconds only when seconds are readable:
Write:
10:00
